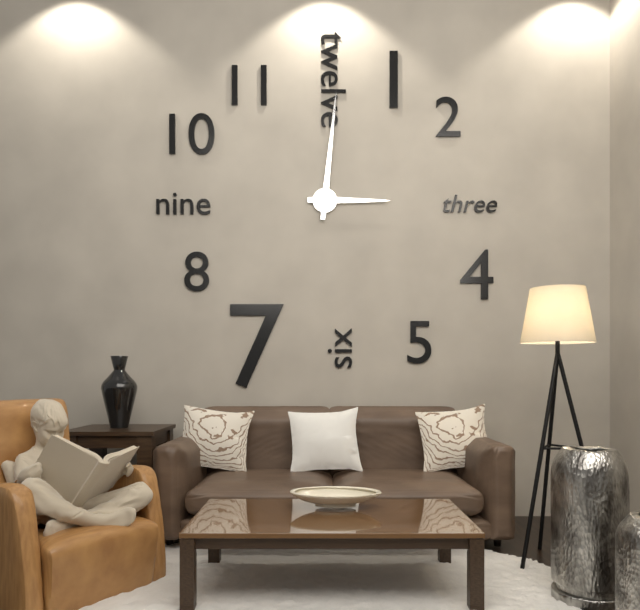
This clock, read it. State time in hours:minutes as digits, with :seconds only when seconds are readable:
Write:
3:01
